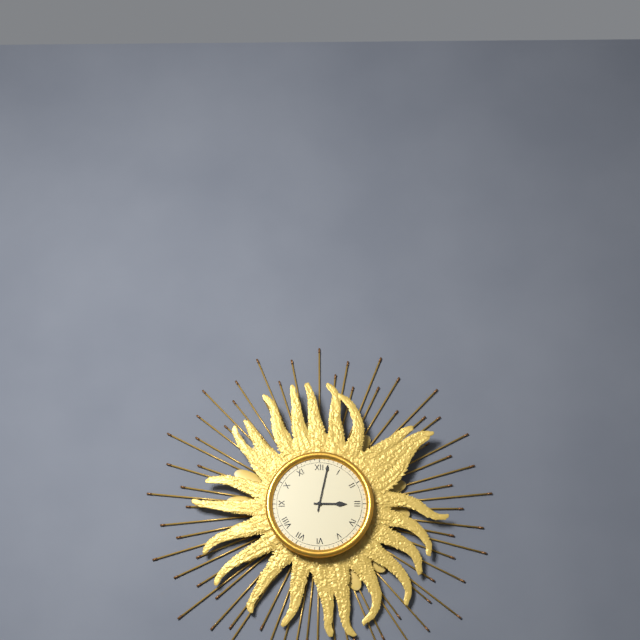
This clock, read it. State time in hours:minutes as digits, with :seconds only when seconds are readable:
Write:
3:02
